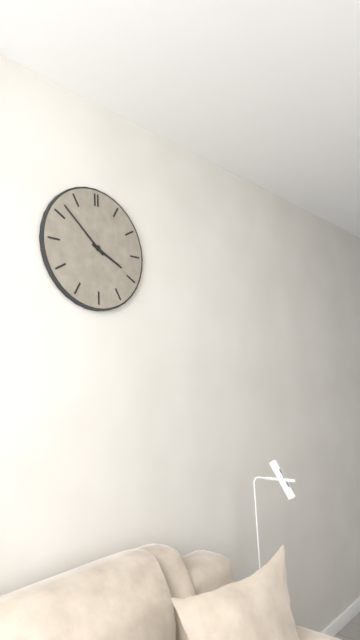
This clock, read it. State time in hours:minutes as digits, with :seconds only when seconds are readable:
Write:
3:52
